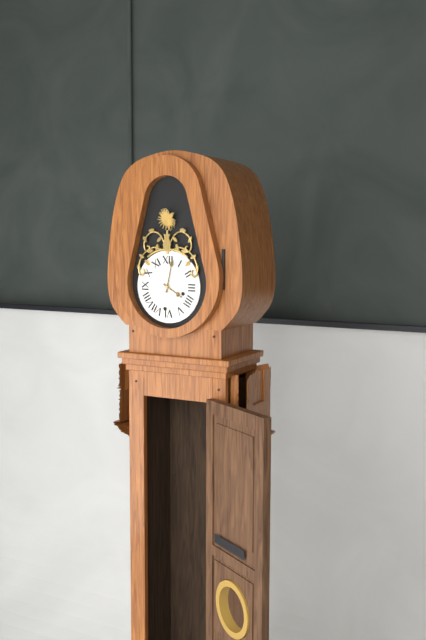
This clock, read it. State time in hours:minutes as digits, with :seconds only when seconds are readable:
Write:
4:02
